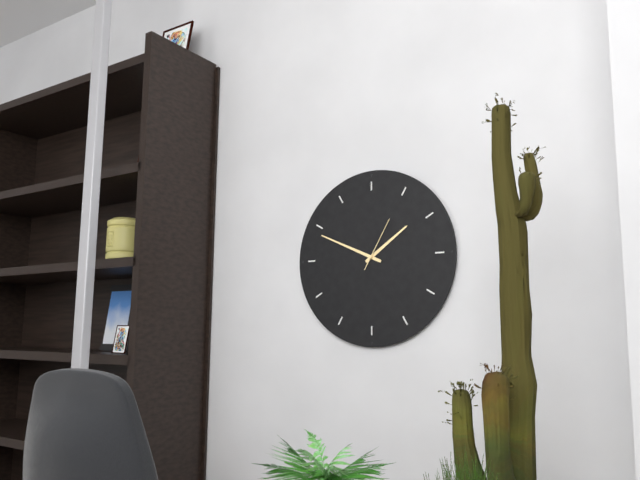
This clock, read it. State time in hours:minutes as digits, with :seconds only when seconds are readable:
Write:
1:49:05
